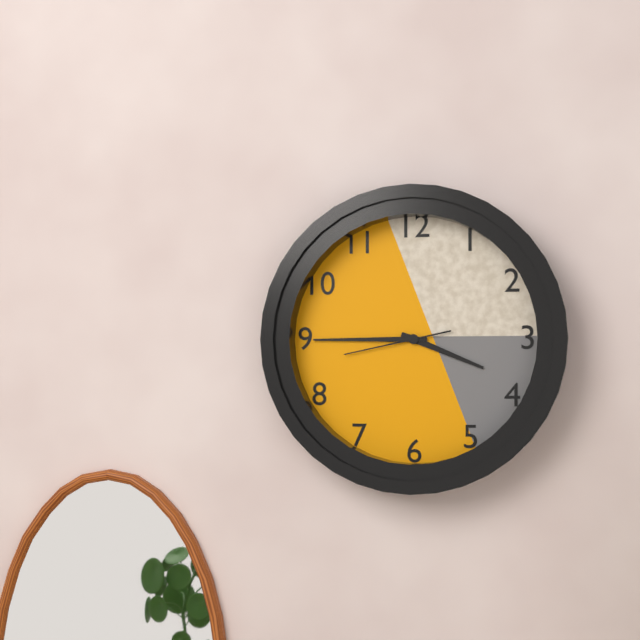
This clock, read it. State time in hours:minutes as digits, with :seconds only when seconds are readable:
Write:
3:45:43
